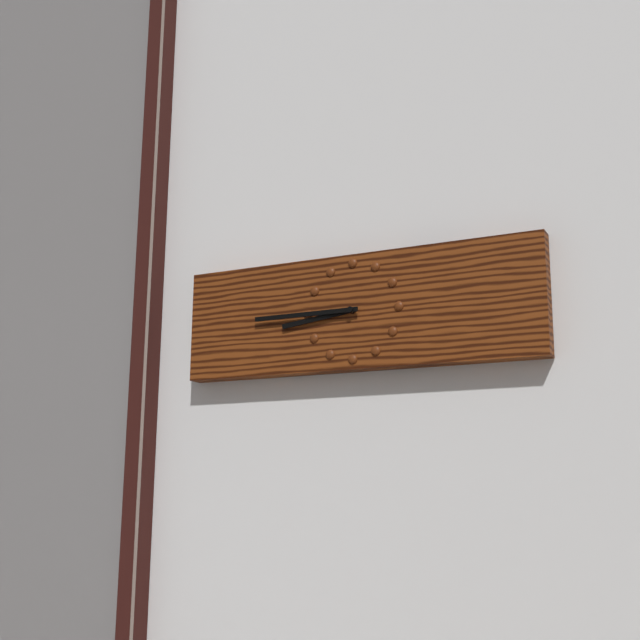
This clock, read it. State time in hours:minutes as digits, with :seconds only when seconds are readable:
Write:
8:45
